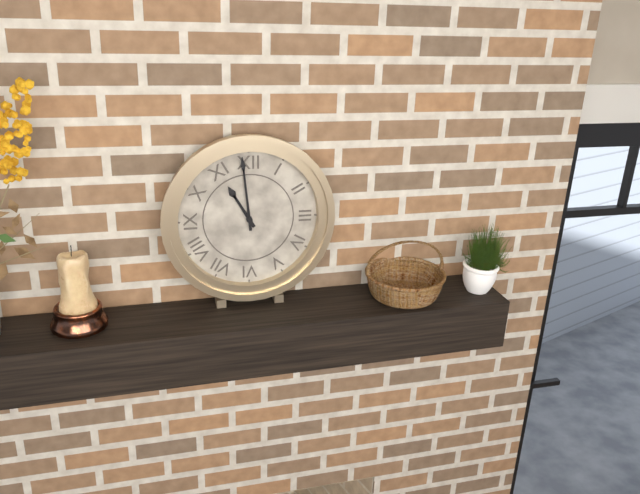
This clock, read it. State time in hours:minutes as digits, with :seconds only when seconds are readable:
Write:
10:59
